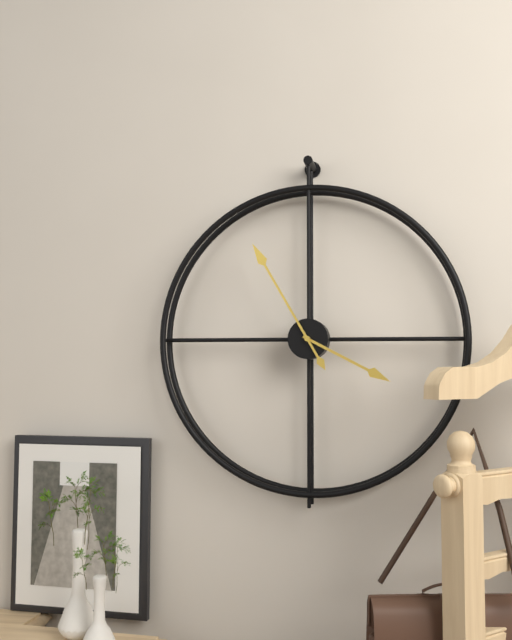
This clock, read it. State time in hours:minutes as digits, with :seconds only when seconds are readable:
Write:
3:55
